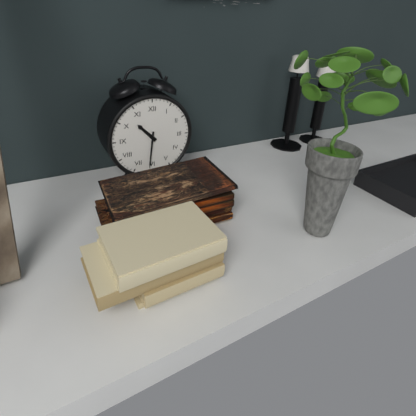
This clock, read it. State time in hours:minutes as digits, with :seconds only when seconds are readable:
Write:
10:31
